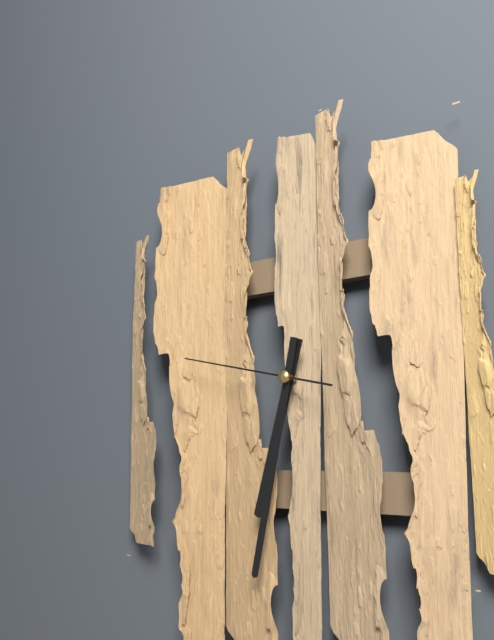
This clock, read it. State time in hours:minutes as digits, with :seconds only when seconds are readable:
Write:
6:32:47
